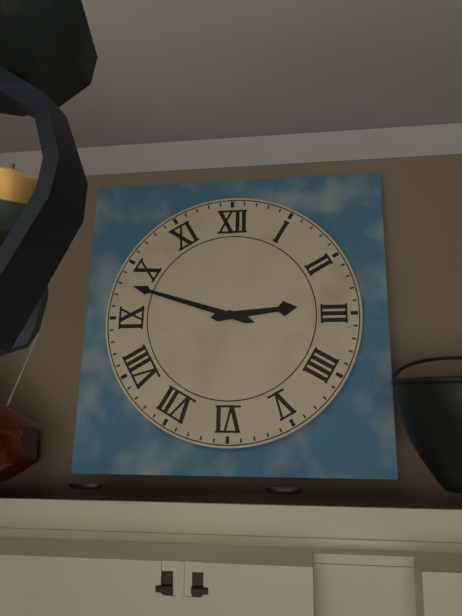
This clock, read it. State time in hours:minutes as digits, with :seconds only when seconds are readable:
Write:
2:48
